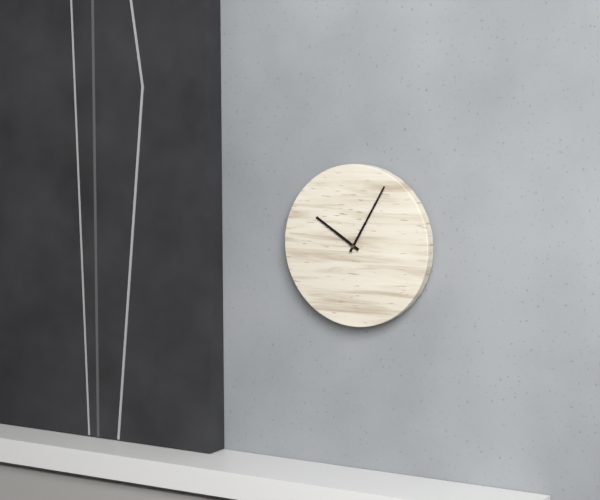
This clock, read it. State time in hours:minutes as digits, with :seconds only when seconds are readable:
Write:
10:05
